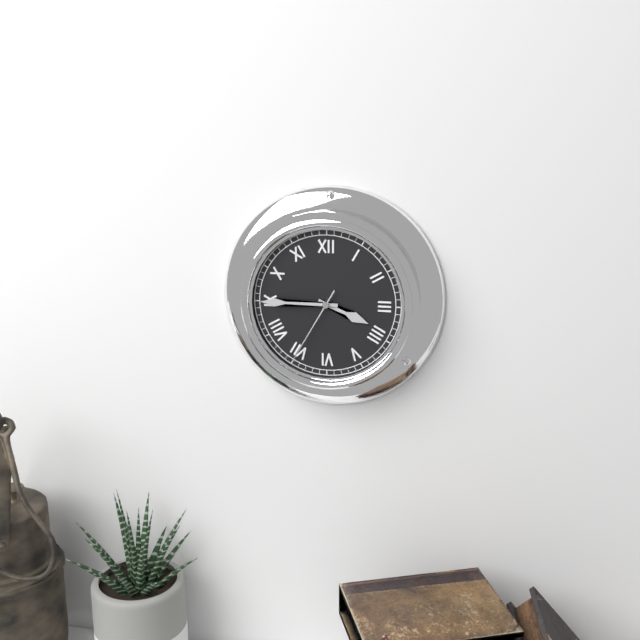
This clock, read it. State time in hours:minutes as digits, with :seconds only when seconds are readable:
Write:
3:45:35
